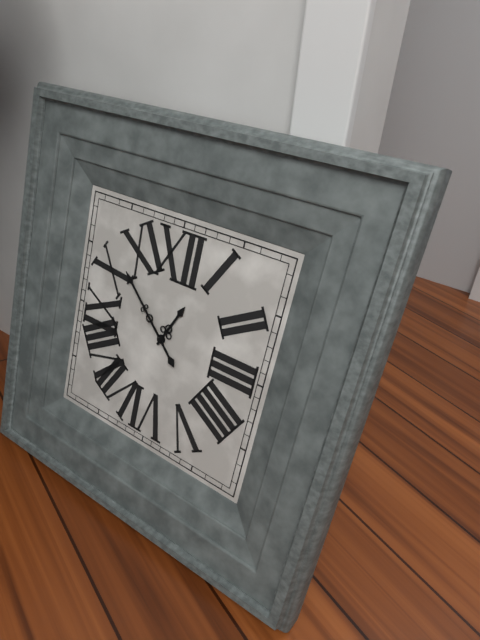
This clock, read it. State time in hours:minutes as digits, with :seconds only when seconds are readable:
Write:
12:52
